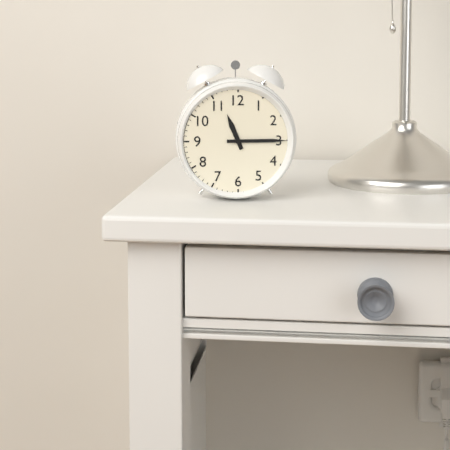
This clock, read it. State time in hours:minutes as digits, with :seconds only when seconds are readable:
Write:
11:15
